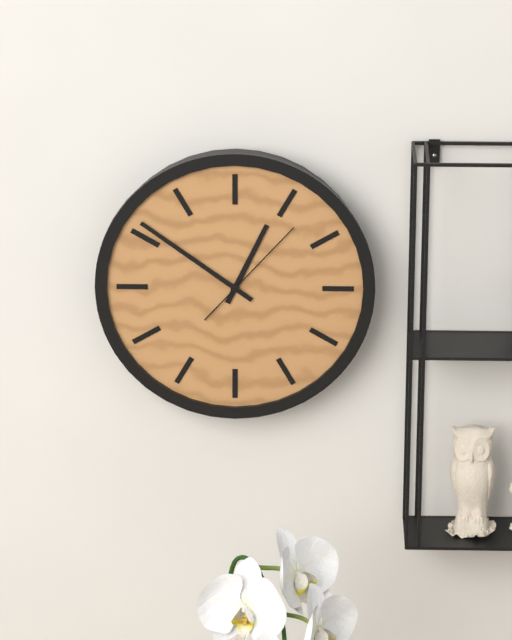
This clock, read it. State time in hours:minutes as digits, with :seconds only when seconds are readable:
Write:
12:51:07
